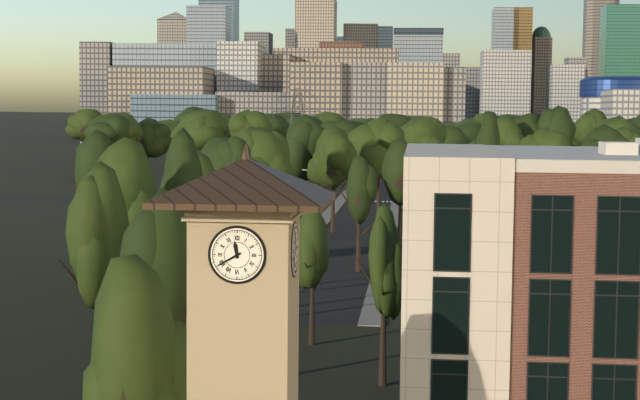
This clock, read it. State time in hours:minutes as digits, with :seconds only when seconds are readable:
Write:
11:40
